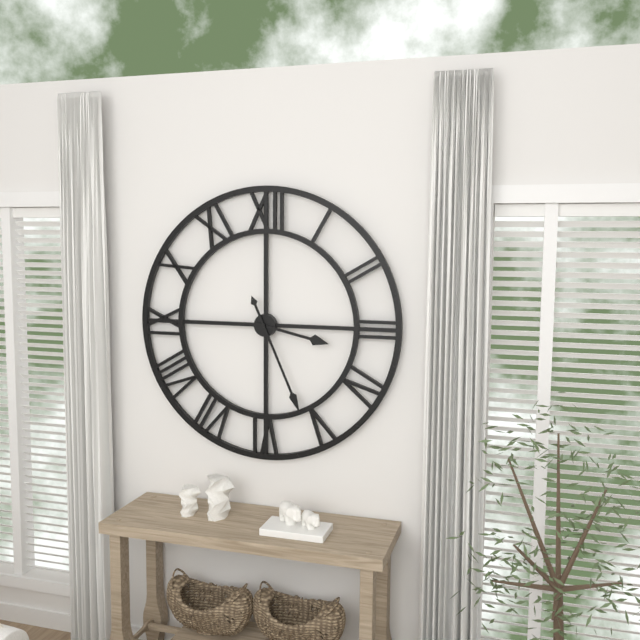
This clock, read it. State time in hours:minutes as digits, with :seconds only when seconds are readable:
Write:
3:26
